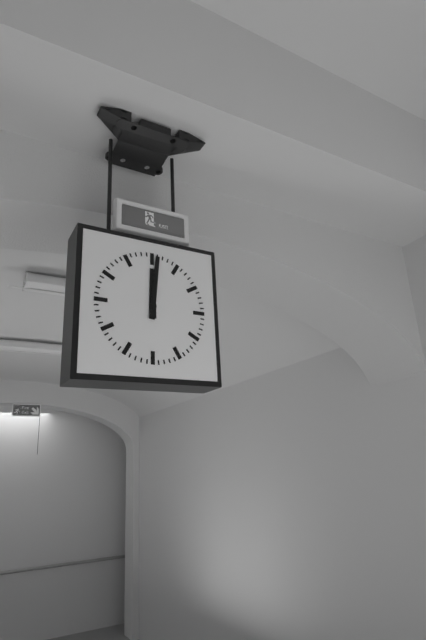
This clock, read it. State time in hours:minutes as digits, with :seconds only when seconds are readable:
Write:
12:01
